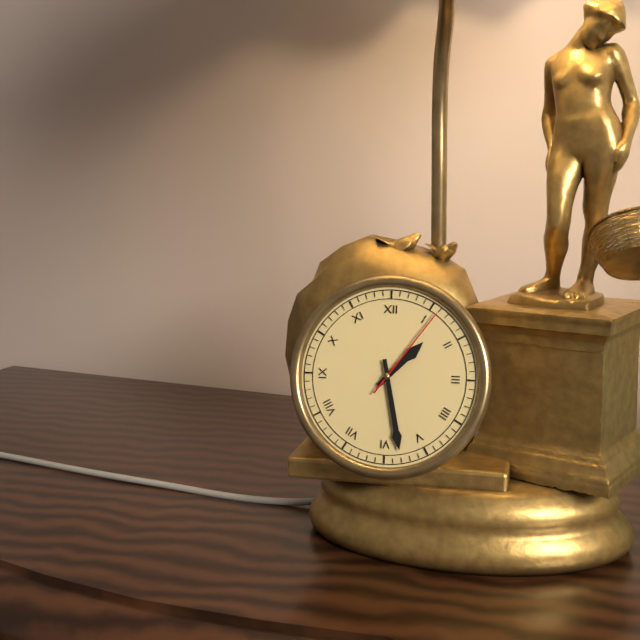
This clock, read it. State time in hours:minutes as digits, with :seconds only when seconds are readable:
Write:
1:28:06
